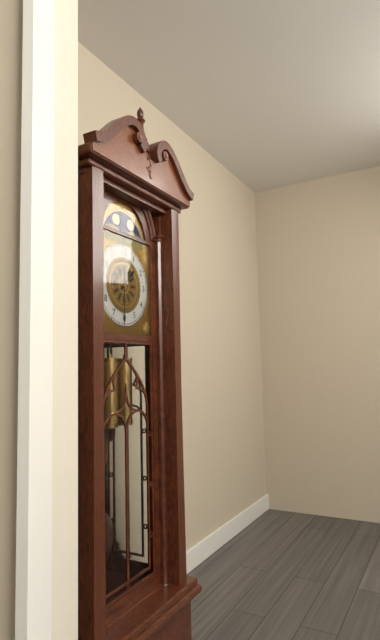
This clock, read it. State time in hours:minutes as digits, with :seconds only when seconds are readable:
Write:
1:30
